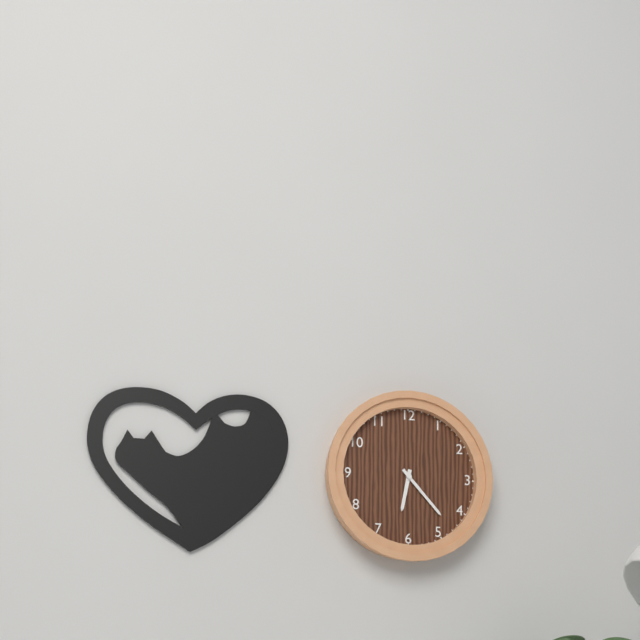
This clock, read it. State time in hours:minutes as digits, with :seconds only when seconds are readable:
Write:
6:23
